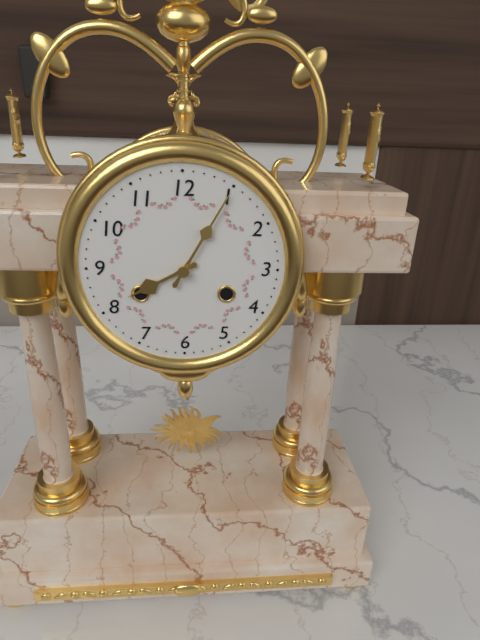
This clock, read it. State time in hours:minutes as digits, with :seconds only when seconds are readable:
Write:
8:05
